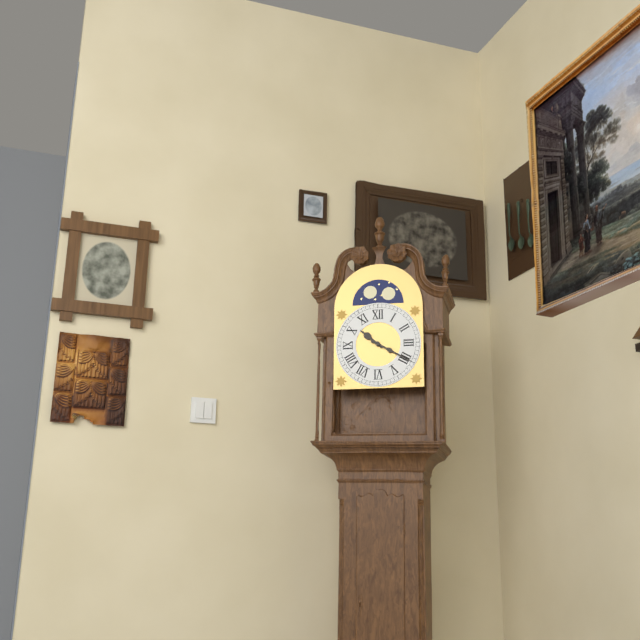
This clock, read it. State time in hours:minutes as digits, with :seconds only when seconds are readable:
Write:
10:20
